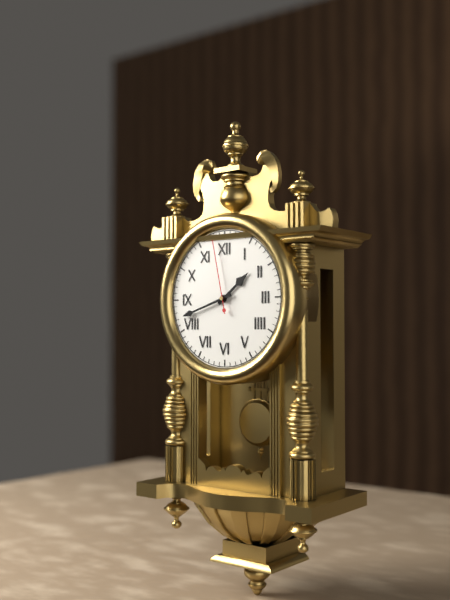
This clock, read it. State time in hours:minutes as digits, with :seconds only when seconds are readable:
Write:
1:42:58
